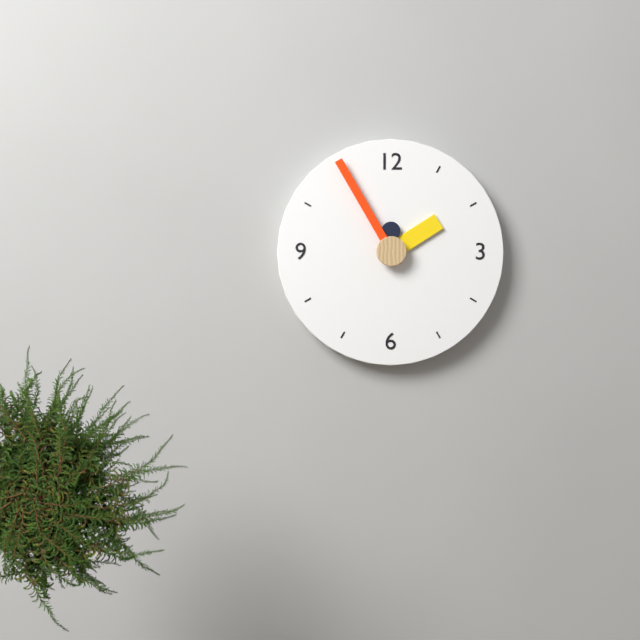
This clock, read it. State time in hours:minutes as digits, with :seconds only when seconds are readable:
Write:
1:55
